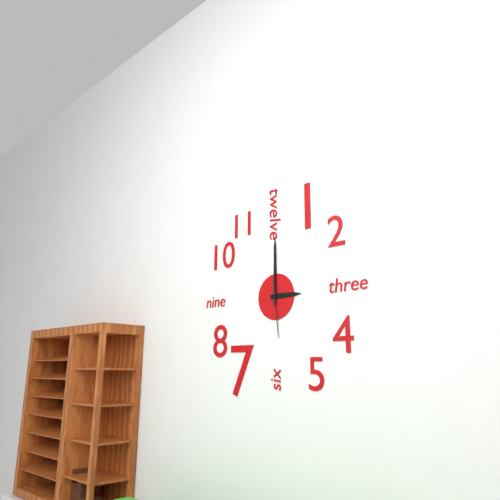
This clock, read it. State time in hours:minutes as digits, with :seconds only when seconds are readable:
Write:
3:00:29
